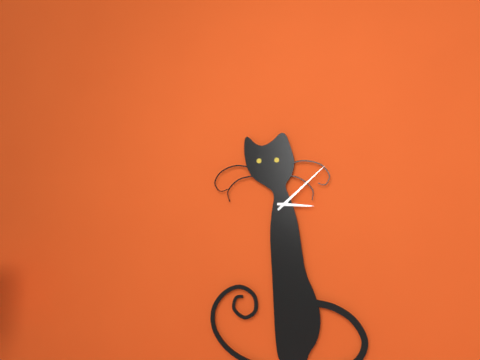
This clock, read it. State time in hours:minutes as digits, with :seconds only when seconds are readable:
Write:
3:08
